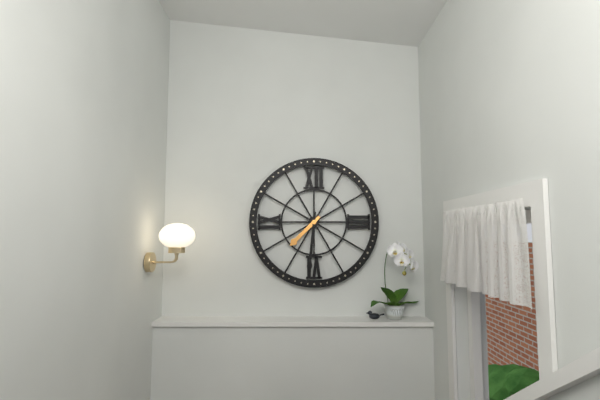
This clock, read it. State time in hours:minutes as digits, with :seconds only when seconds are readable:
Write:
7:31
